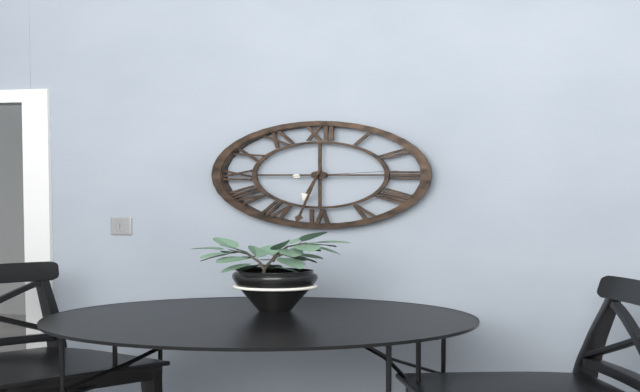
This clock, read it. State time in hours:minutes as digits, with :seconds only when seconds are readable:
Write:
6:32:14
